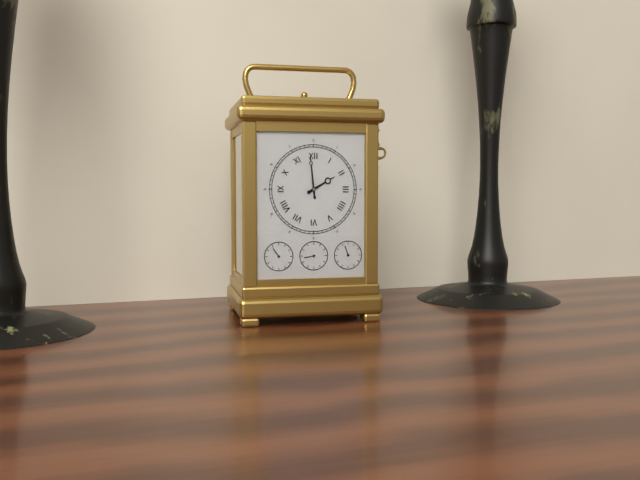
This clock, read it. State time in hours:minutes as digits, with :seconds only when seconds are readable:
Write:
1:59
